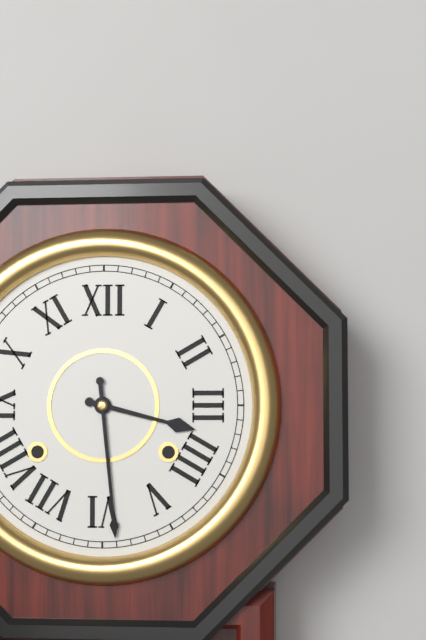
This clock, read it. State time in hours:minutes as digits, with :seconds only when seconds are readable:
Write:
3:29
